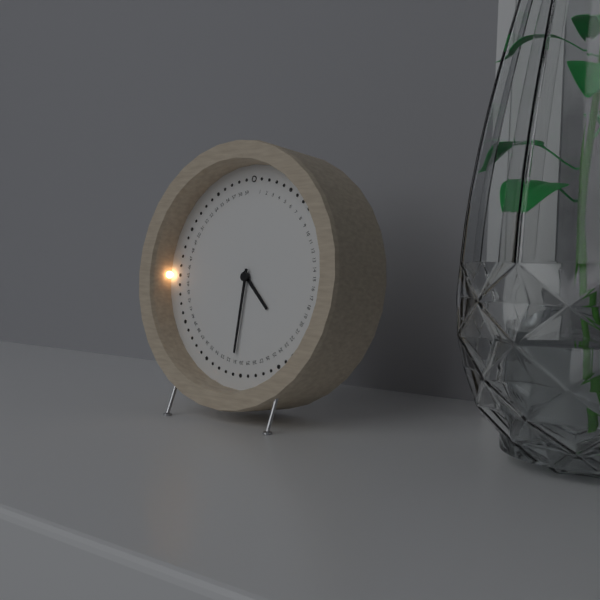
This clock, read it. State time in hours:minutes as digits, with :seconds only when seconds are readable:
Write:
4:31
